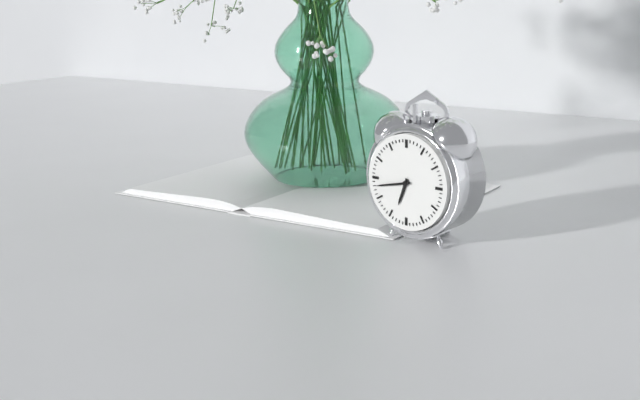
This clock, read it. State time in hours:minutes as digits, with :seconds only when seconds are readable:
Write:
6:43
